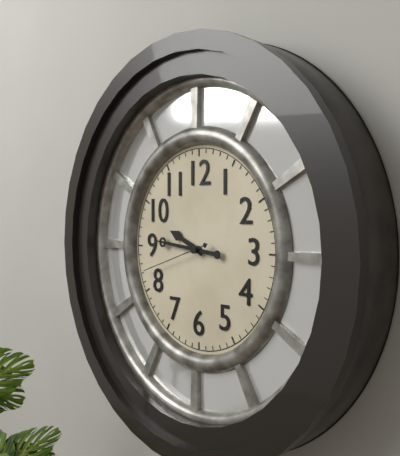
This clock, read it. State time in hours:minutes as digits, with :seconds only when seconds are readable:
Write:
9:46:42
